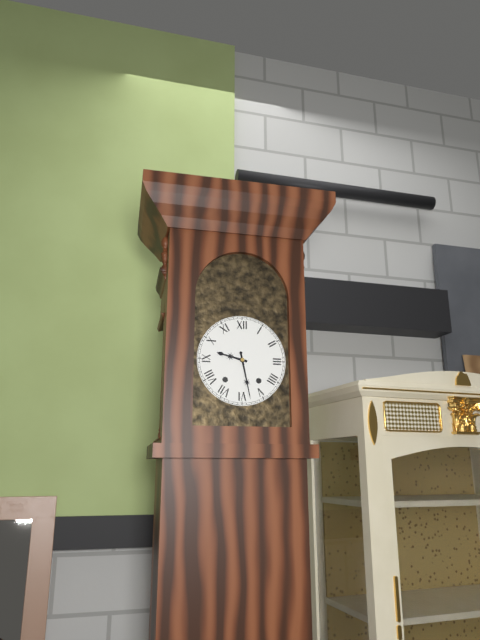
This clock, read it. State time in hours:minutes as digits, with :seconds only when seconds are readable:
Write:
9:28
